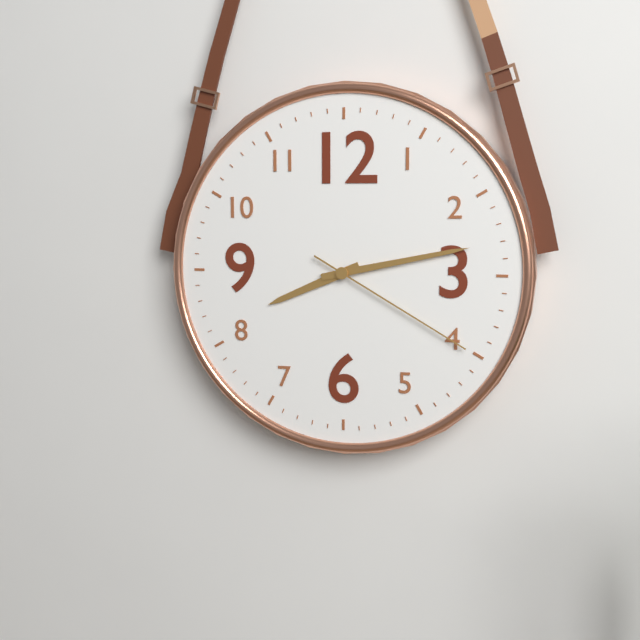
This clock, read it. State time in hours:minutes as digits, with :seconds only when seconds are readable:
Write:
8:13:20
